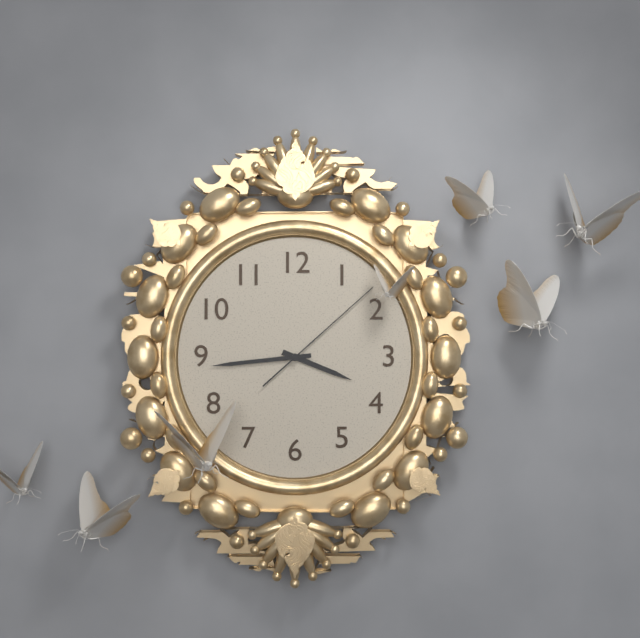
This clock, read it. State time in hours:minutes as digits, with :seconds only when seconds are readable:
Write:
3:44:08
